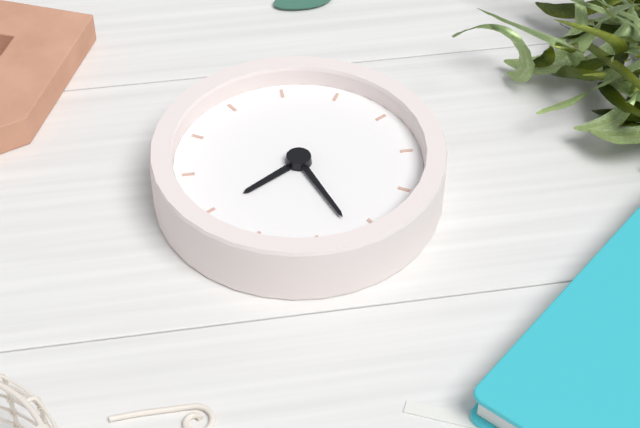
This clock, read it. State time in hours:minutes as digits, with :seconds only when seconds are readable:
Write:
1:57
